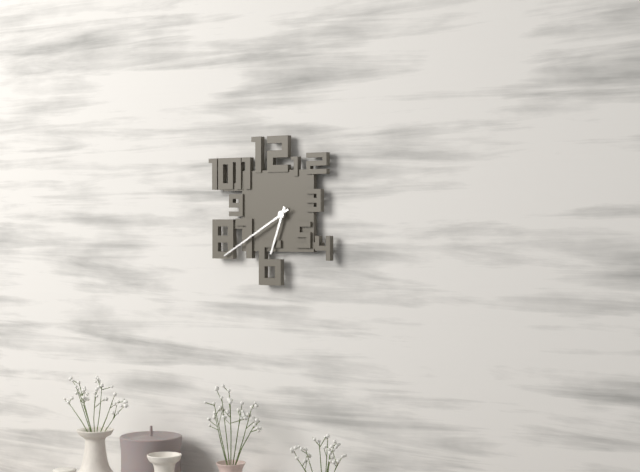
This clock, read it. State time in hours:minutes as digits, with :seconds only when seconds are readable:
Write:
6:40
